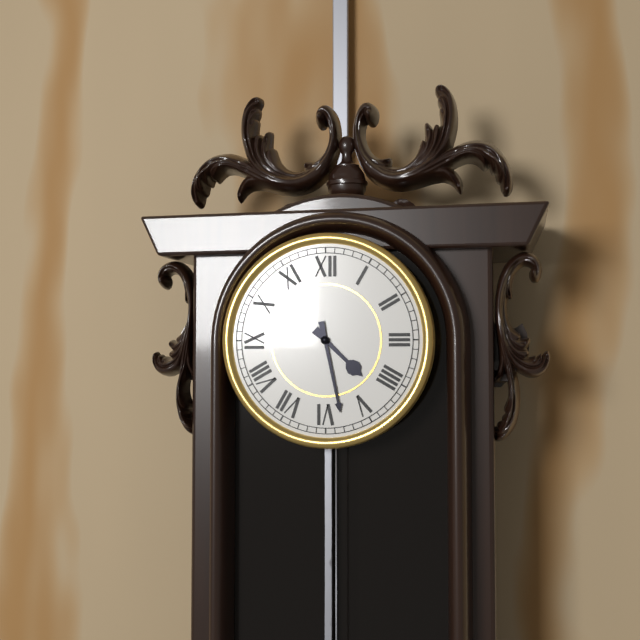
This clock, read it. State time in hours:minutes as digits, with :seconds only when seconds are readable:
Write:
4:28
